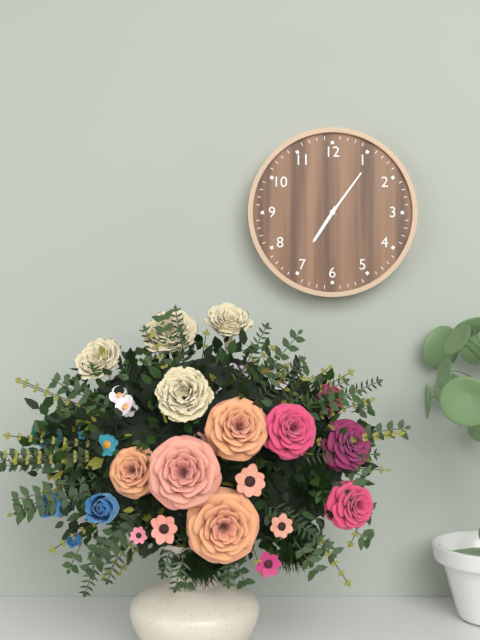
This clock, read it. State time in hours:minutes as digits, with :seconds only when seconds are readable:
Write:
7:06
